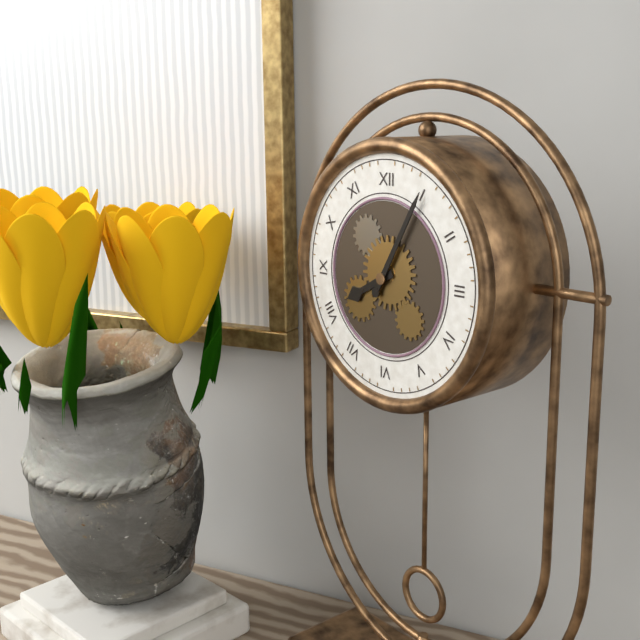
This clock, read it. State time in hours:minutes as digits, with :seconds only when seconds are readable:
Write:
8:05
